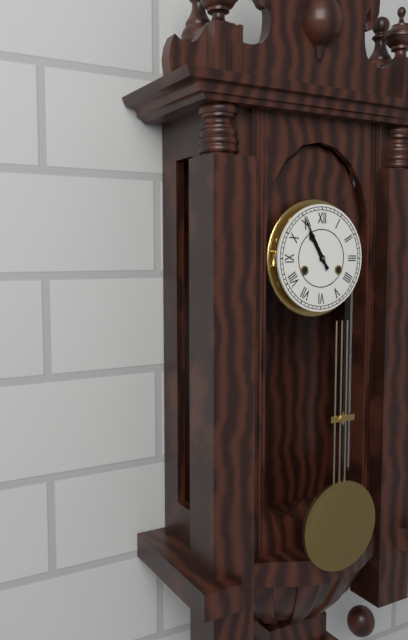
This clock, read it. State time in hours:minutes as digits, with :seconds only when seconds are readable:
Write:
10:55
